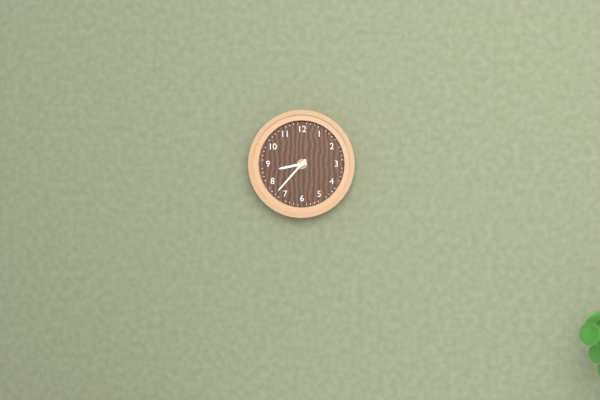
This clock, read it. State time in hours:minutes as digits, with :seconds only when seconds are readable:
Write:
8:37
